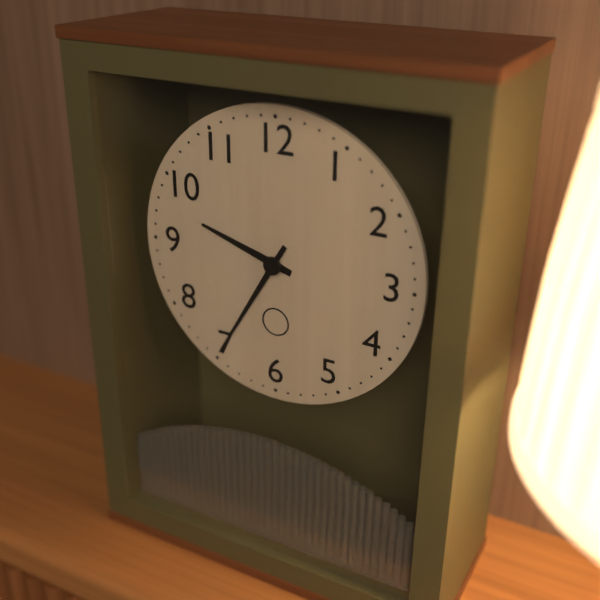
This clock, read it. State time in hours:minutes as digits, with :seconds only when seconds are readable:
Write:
9:35
